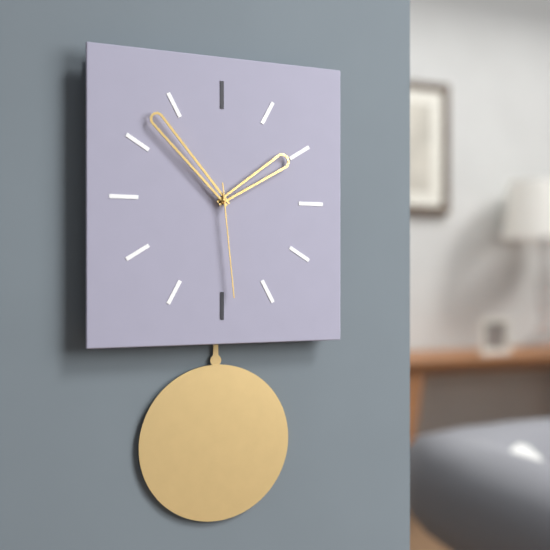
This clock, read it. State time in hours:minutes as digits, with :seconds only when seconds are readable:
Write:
1:53:29
